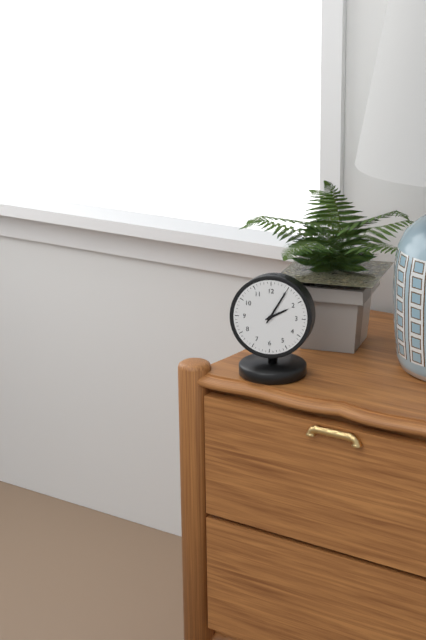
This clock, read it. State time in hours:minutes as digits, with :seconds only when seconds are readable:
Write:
2:05
